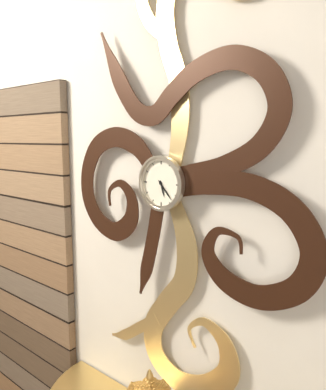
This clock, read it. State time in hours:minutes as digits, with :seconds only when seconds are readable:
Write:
5:23
